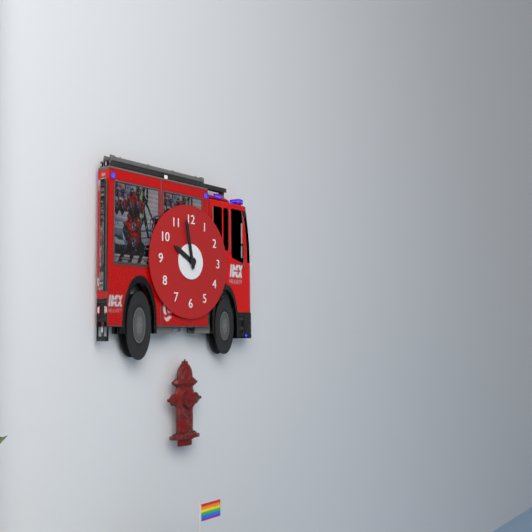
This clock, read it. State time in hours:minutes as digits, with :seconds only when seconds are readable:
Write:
9:58
